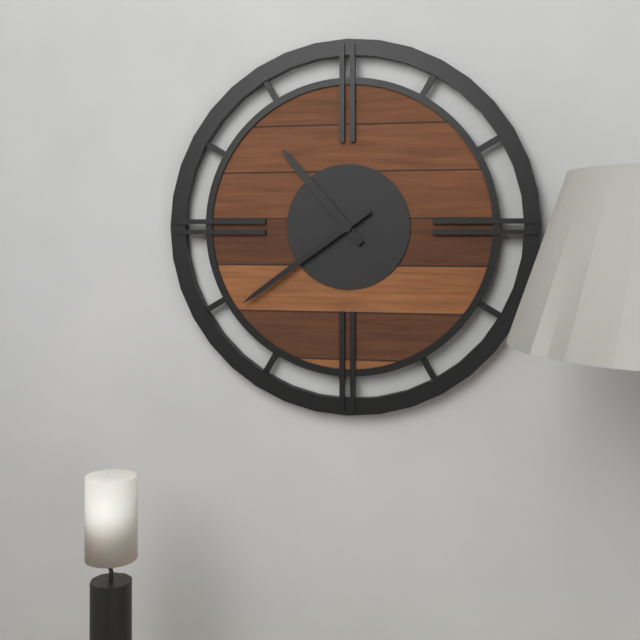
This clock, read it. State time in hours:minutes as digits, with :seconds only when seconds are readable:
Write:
10:39
